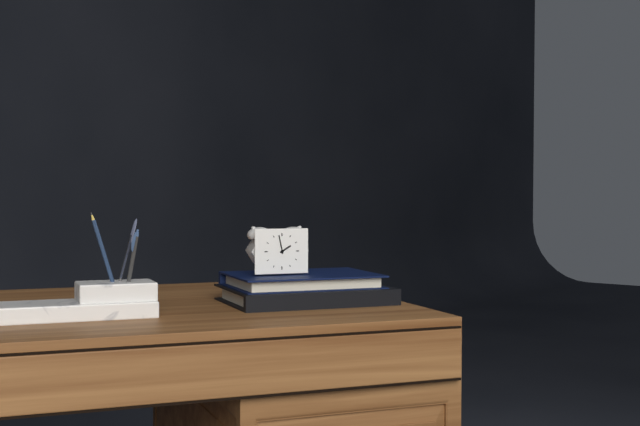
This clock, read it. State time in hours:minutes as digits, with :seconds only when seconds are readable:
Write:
1:58
